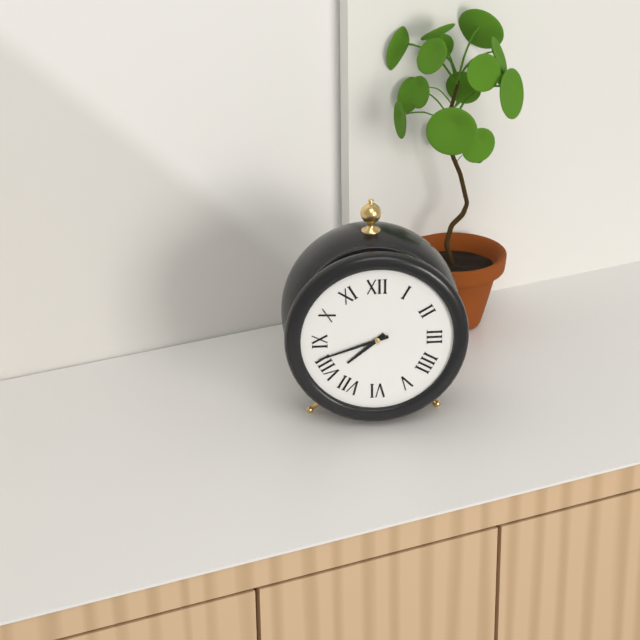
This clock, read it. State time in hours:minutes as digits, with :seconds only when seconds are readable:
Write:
7:42
